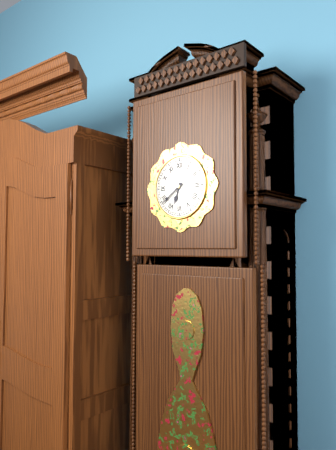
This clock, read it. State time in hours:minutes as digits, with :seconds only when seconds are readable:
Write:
6:39
